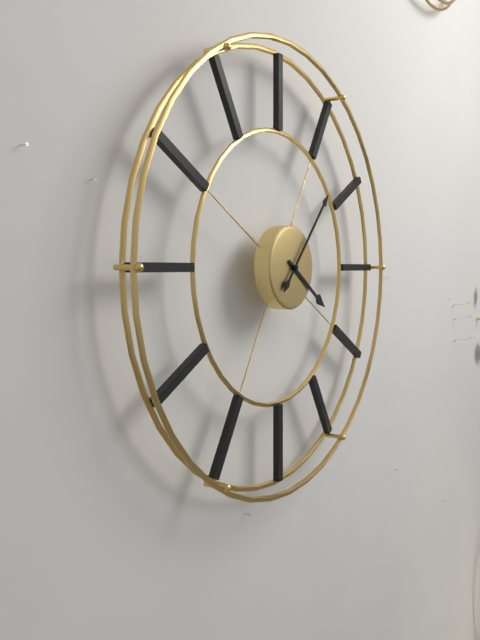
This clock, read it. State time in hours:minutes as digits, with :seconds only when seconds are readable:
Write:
4:07
